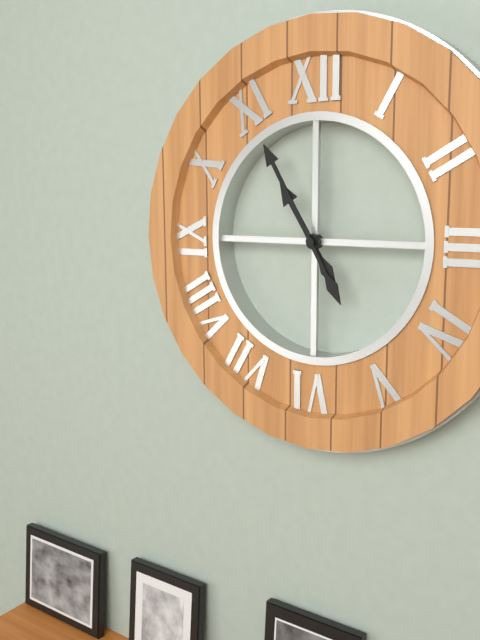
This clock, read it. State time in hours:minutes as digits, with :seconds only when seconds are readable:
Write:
10:55
